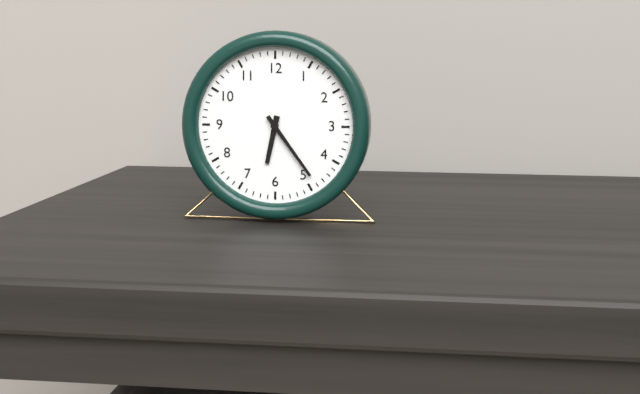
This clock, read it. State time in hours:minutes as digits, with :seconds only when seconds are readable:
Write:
6:24
